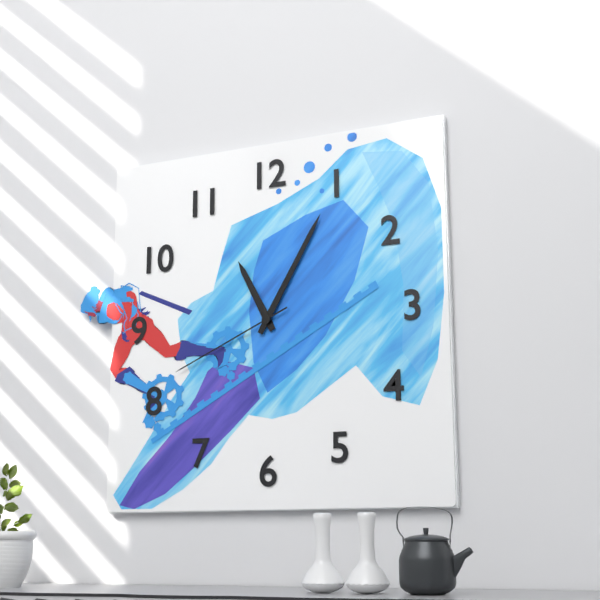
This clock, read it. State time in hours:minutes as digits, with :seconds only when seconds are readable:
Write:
11:05:41
